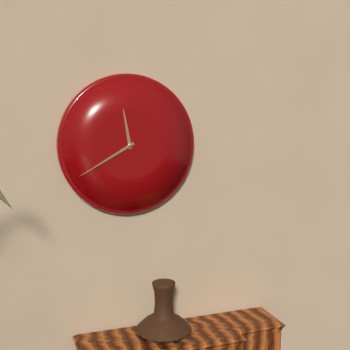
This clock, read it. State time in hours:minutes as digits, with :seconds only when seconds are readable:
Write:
11:40
